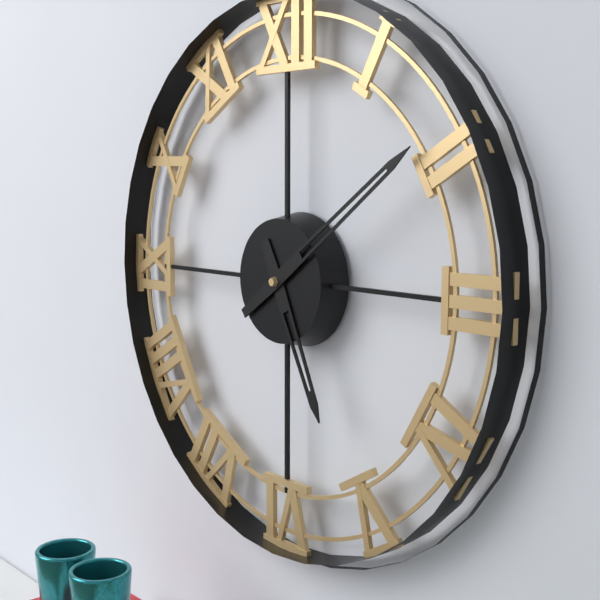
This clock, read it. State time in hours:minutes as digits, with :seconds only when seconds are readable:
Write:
5:09
